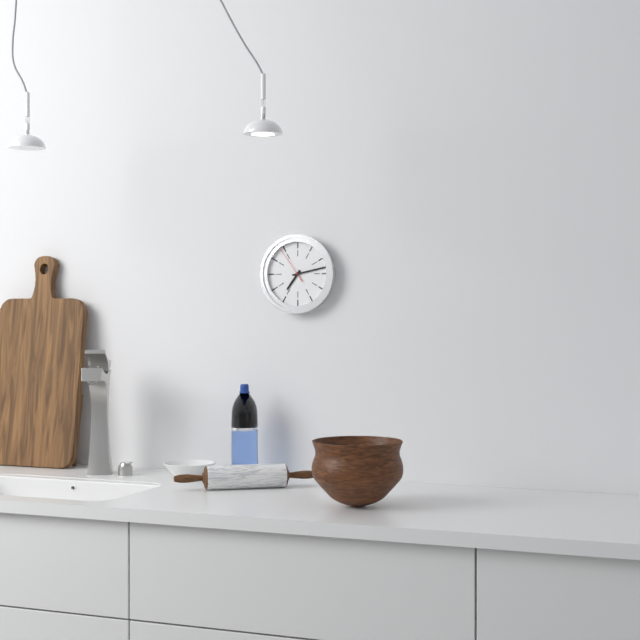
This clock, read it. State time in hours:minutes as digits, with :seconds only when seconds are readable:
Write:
7:13
